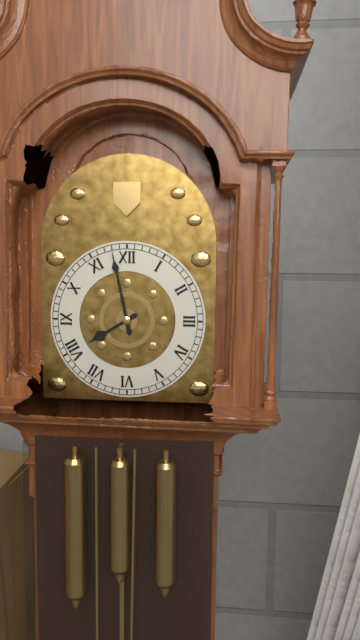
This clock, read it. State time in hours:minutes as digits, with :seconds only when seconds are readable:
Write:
7:58
